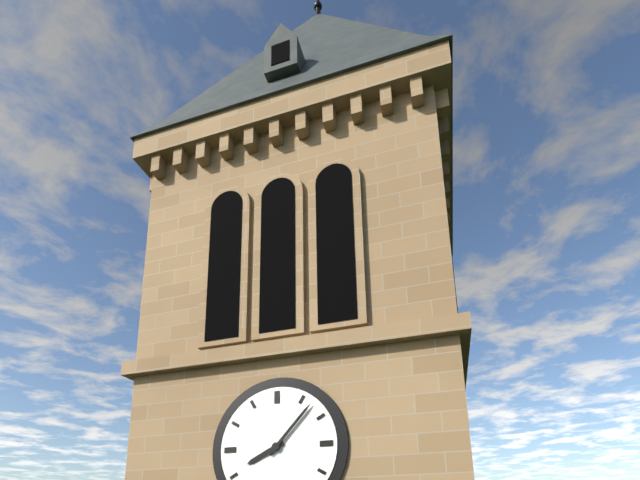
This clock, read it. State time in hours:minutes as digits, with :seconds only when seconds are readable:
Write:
8:07
